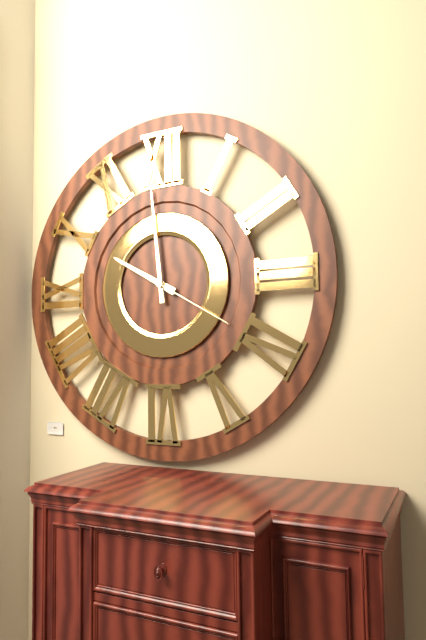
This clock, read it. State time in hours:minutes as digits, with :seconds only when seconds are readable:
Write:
9:59:20
